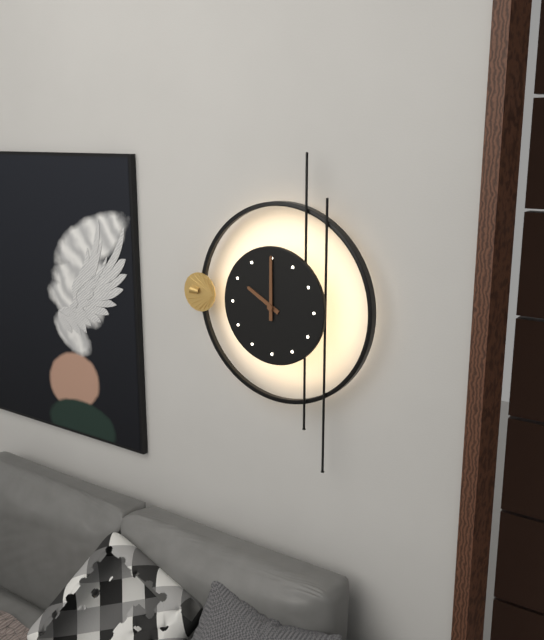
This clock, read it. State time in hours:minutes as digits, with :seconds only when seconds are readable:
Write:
10:00
